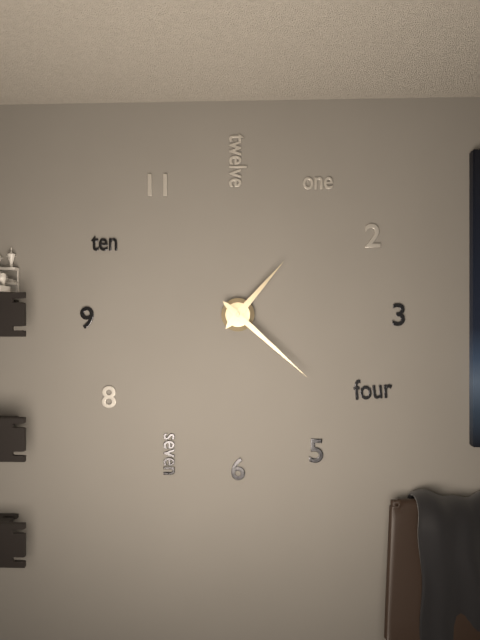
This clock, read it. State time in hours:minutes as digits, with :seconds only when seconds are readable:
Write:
1:22
